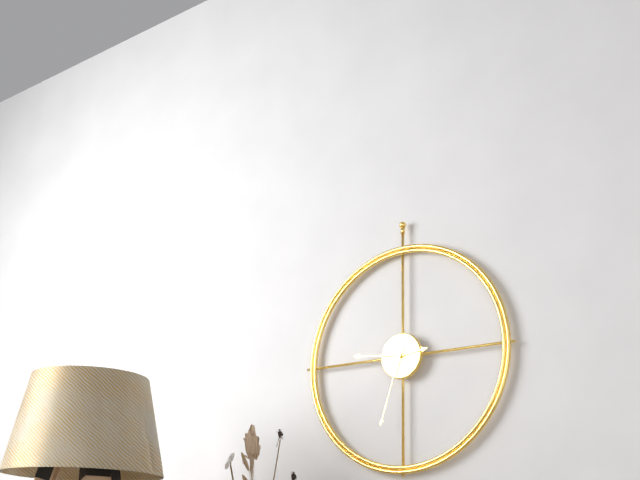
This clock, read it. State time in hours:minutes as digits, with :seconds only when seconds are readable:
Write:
2:46:33
